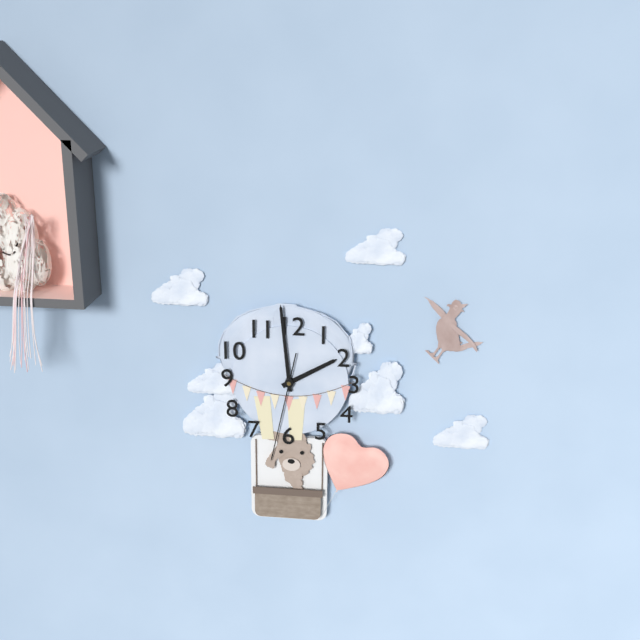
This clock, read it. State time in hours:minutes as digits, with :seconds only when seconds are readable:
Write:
1:59:32
